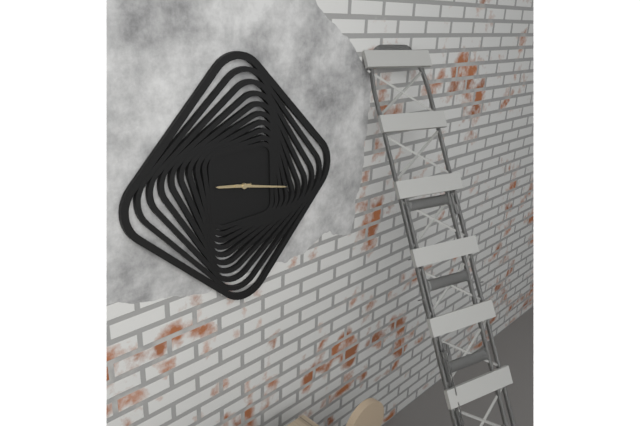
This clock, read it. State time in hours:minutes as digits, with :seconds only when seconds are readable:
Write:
9:17
